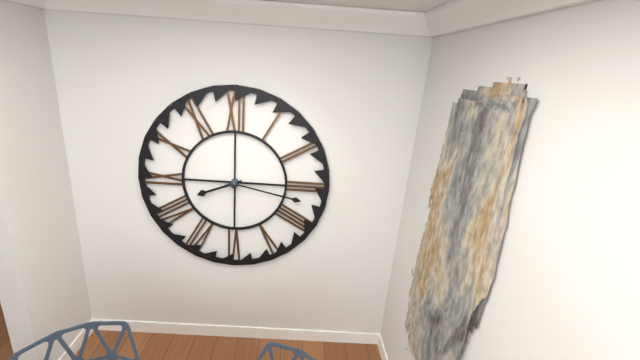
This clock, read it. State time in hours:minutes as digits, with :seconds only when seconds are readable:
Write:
8:17
